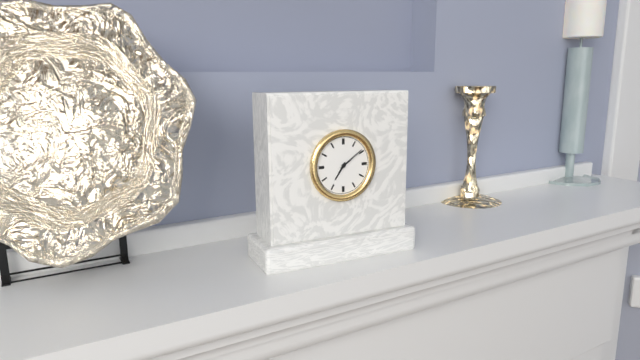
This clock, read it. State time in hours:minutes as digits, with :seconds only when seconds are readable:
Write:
7:09
